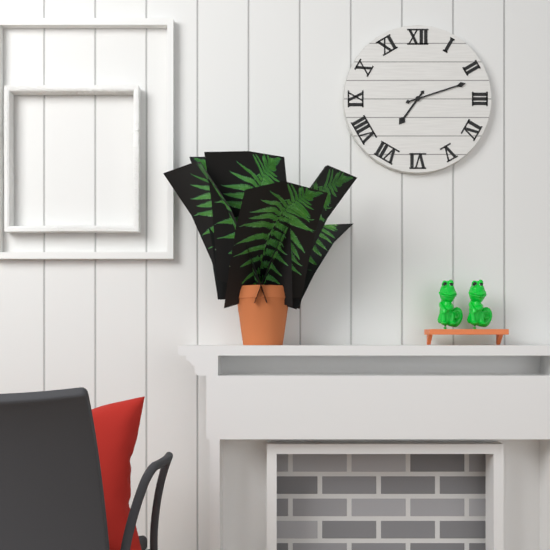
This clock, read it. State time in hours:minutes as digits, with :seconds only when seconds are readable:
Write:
7:12
